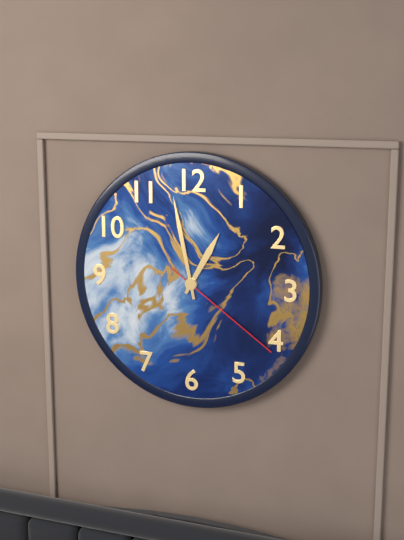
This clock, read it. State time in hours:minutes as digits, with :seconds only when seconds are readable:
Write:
12:58:21
